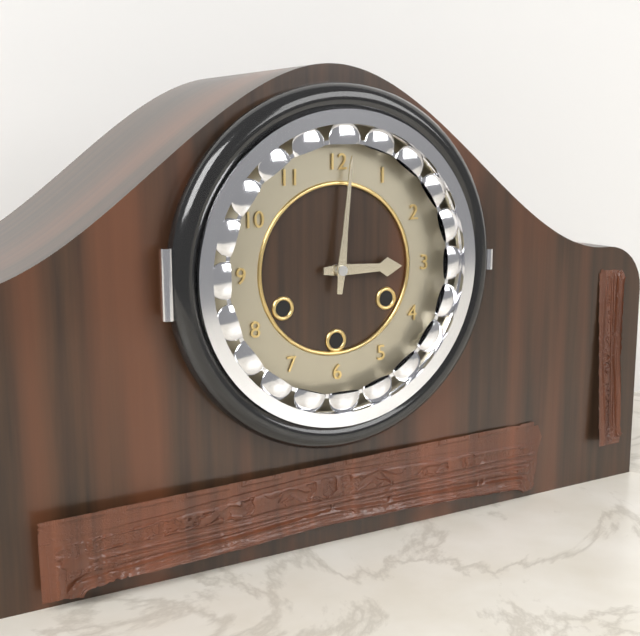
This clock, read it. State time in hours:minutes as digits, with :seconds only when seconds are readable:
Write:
3:01
